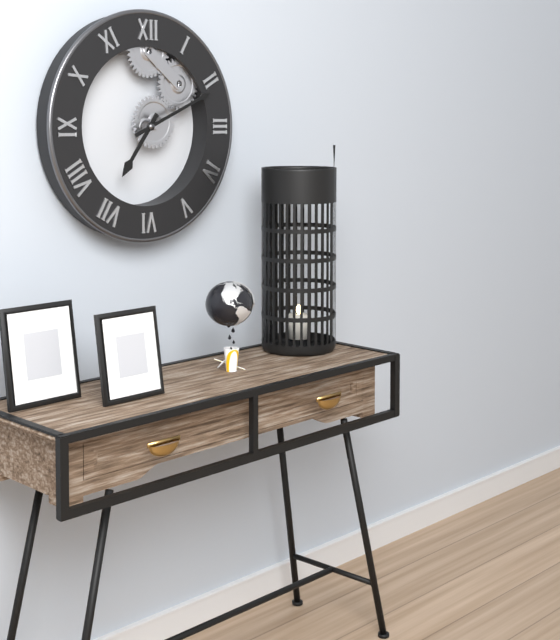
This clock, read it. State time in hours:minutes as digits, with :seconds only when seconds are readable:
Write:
7:11
